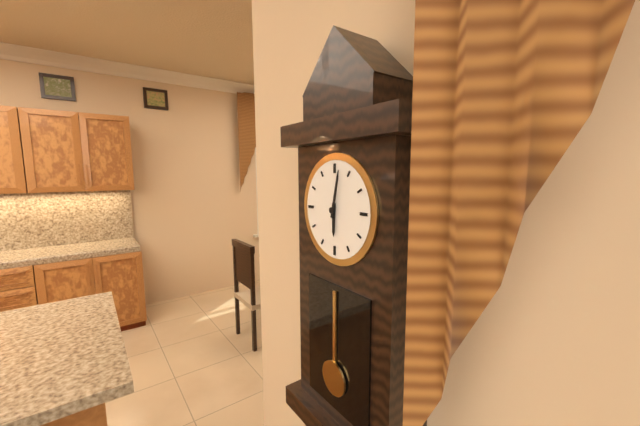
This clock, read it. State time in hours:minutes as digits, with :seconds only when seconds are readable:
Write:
6:02
